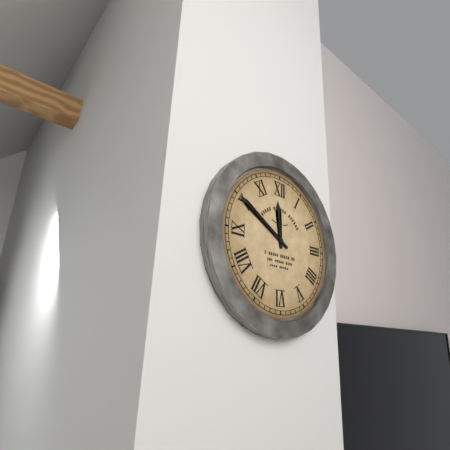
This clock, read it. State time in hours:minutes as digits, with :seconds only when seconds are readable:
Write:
11:50
